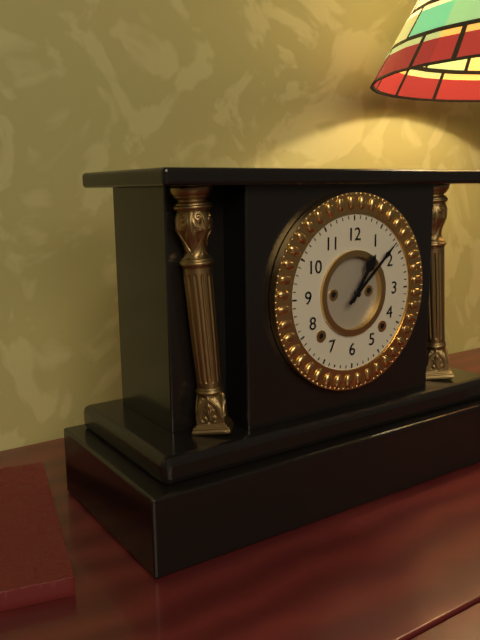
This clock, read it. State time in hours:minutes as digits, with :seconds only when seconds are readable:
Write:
1:08
